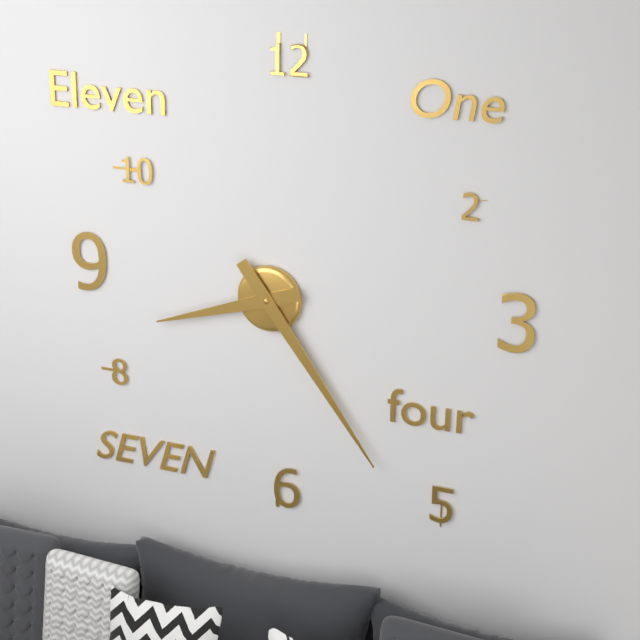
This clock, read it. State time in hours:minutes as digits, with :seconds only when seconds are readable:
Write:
8:24
